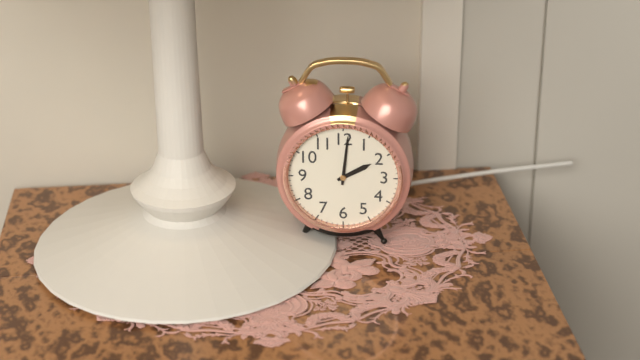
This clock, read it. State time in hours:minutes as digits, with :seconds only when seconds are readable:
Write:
2:01
